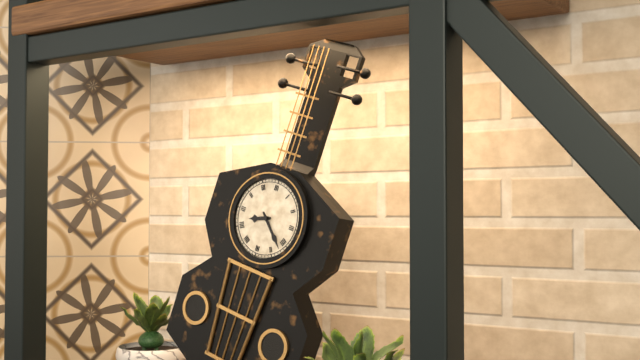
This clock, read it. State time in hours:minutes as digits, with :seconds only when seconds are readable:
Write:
8:22
